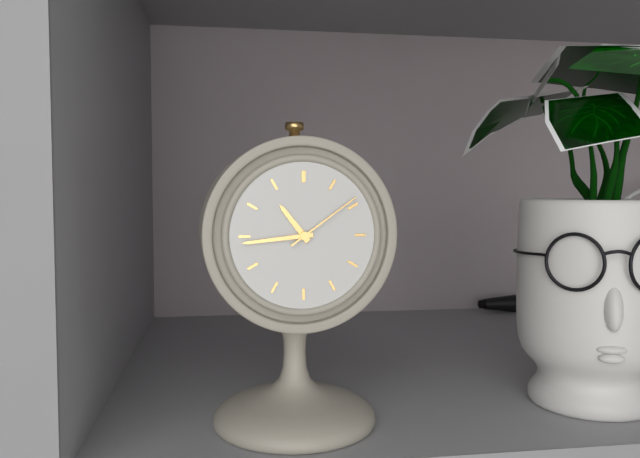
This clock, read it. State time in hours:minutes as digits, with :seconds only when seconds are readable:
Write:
10:44:09
